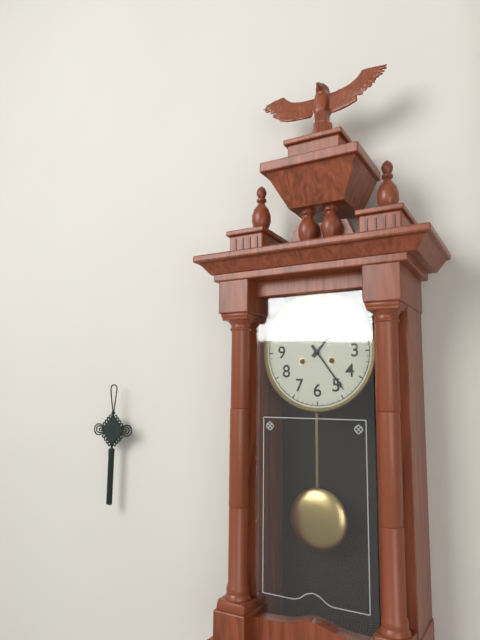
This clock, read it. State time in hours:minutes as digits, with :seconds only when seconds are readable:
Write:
1:24
